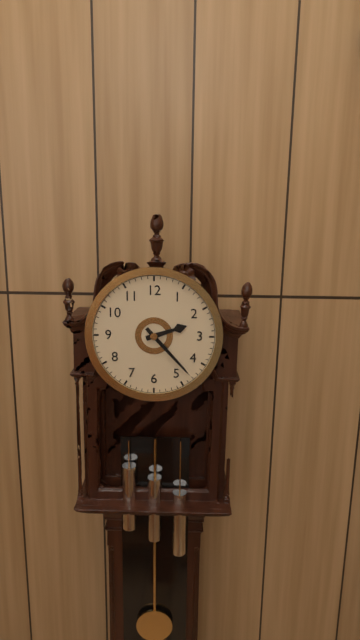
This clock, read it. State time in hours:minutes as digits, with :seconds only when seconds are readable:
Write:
2:23
